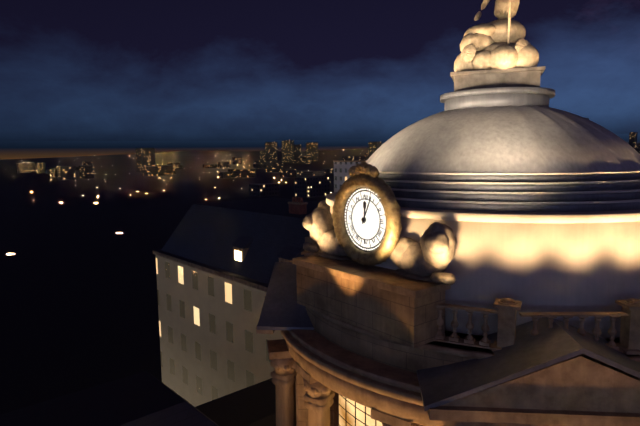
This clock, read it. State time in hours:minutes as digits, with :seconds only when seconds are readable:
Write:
12:04
